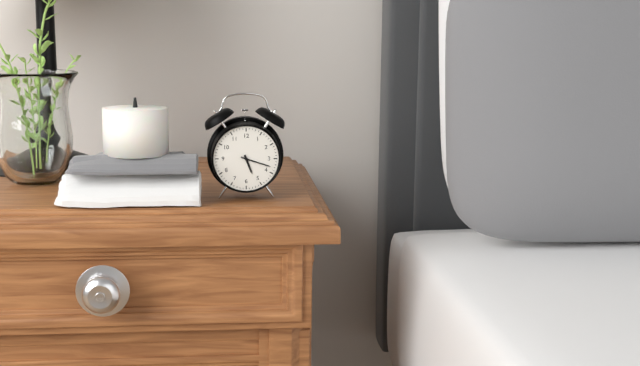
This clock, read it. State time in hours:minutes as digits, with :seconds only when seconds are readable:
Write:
5:18
